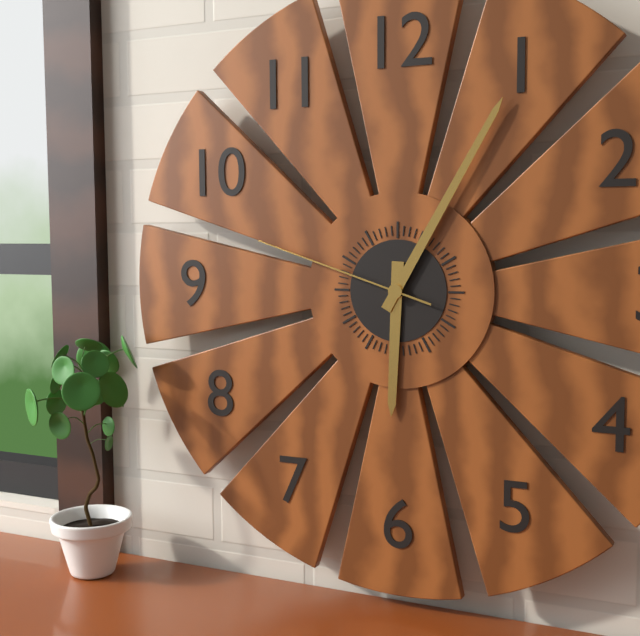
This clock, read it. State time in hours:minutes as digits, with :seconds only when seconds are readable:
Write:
6:05:48
